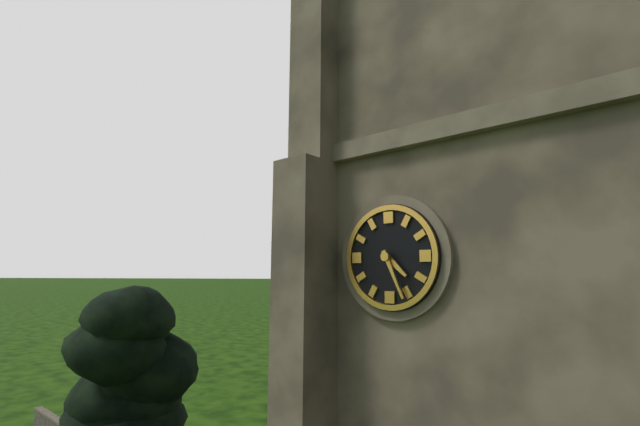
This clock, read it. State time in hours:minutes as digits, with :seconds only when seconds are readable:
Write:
4:26
